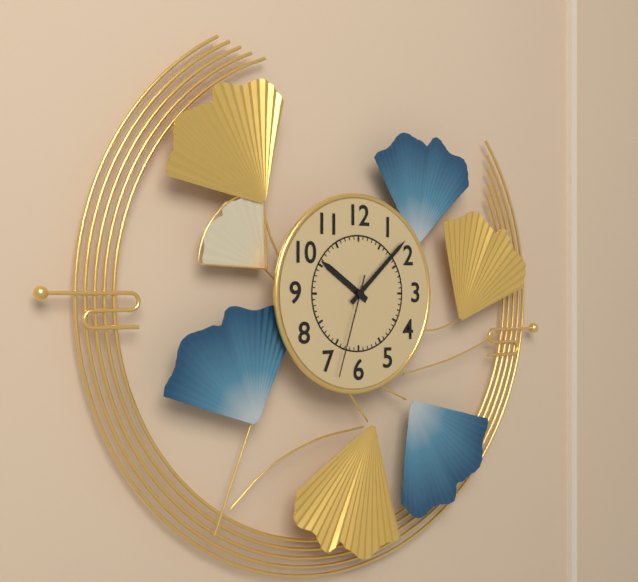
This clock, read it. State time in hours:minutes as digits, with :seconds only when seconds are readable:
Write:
10:08:33
